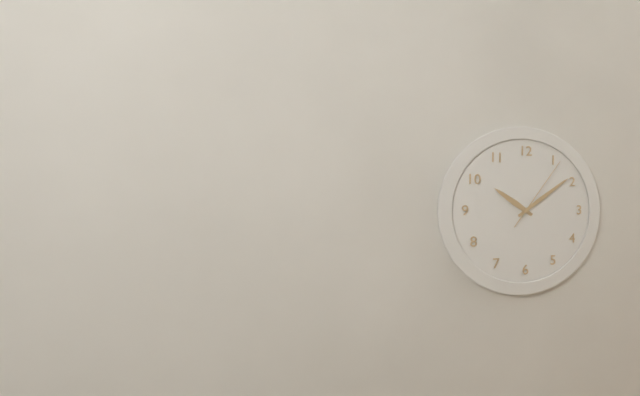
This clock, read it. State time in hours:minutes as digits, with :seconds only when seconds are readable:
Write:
10:09:06
